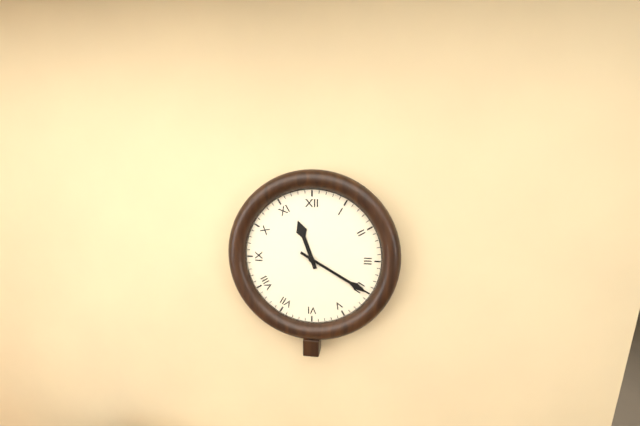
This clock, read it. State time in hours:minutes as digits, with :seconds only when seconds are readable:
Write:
11:20
